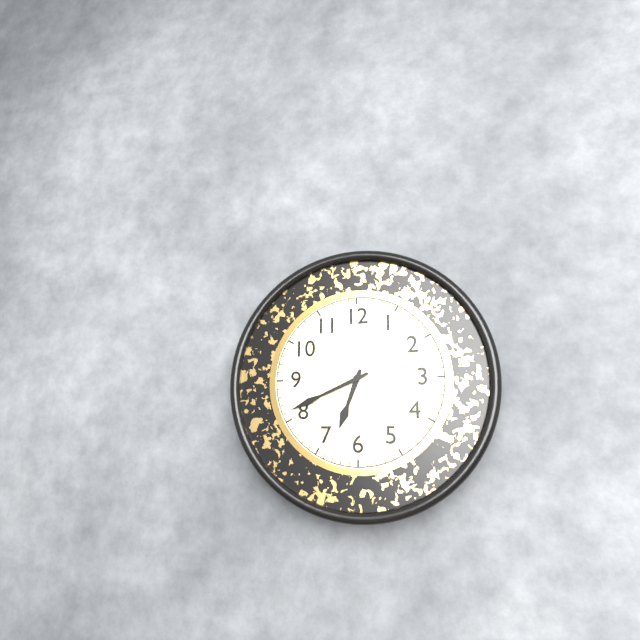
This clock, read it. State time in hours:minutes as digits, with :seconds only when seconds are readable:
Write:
6:41
